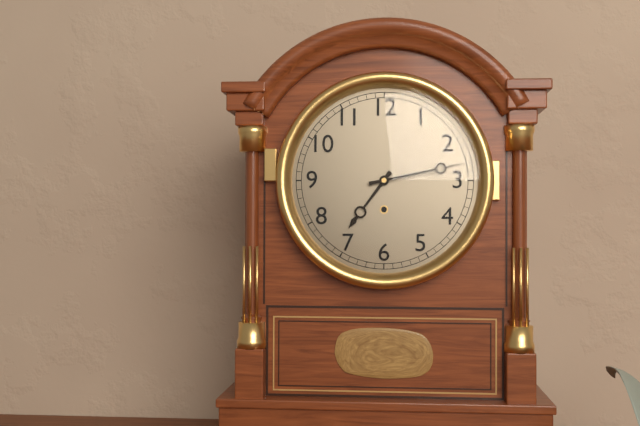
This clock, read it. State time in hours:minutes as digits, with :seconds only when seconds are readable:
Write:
7:13
